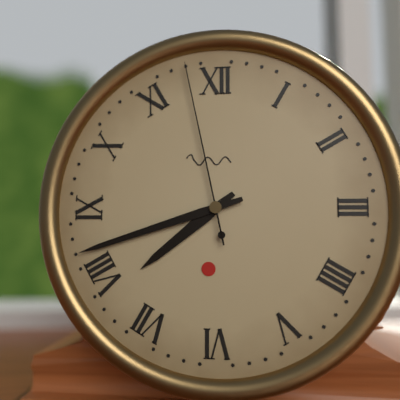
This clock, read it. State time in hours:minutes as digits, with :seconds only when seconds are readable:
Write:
7:42:58
